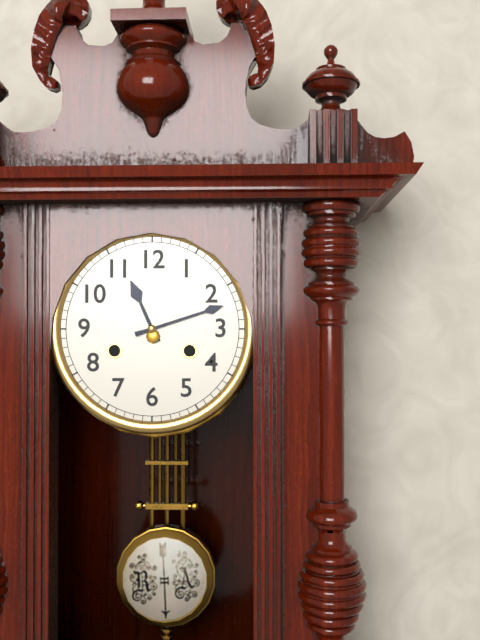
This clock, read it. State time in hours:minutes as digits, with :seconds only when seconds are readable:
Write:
11:12
